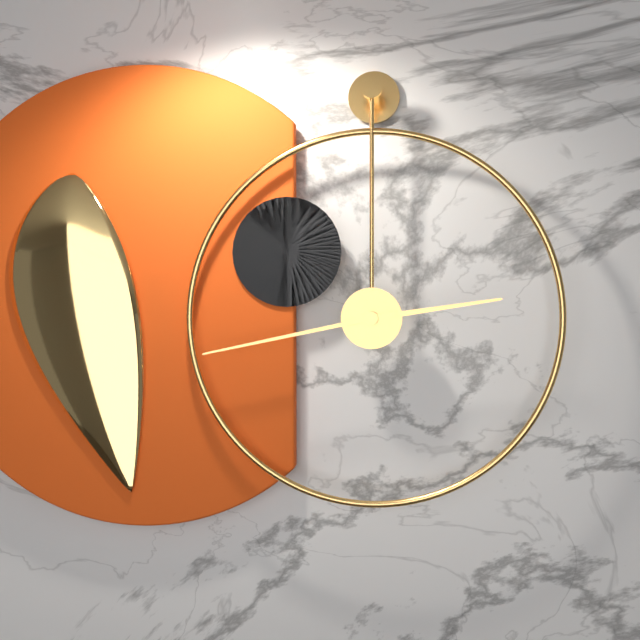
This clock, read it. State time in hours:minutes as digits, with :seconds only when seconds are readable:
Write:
2:43
